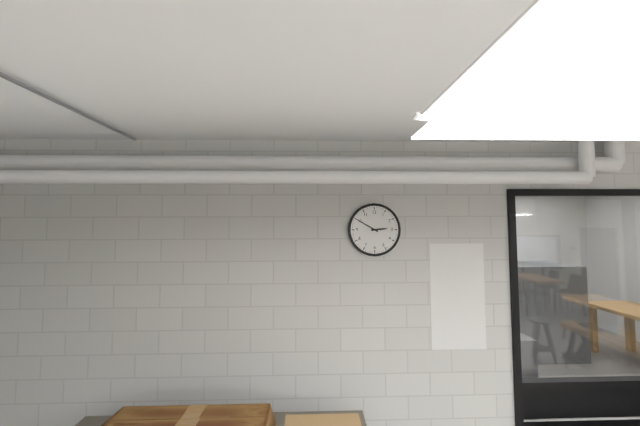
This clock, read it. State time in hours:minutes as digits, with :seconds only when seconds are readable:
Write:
2:50
